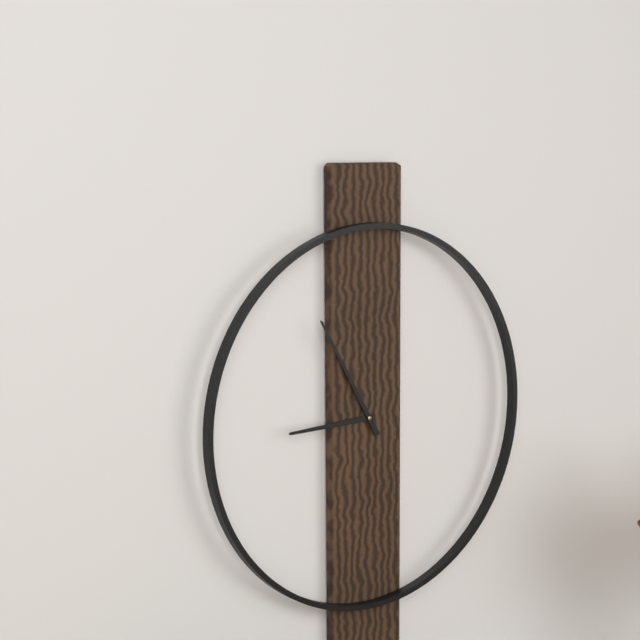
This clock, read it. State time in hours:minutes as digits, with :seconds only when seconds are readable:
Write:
8:55
